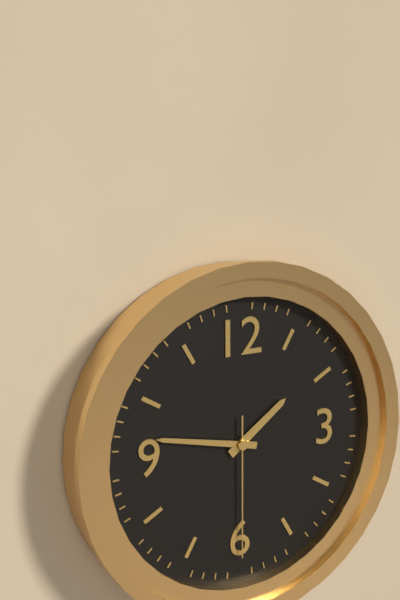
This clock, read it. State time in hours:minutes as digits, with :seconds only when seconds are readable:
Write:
1:47:30
